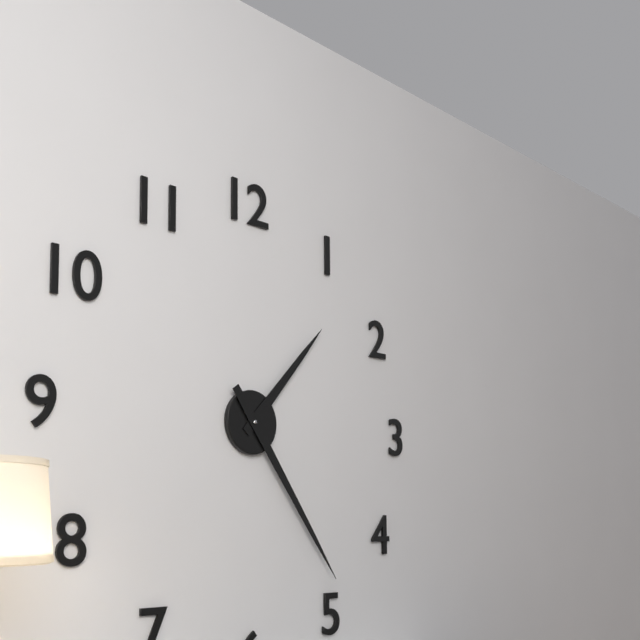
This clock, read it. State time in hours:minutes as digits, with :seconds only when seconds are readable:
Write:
1:24
